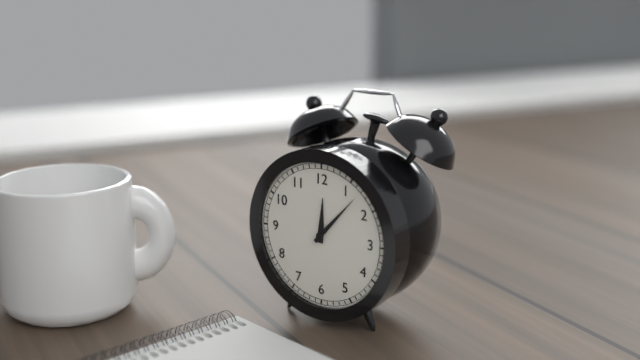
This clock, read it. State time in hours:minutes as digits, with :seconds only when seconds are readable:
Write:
12:07
